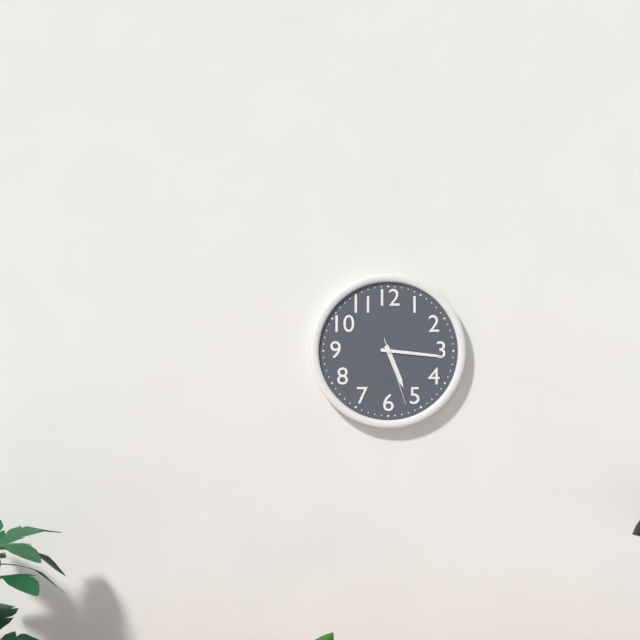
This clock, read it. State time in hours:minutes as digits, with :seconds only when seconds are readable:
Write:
5:16:27
